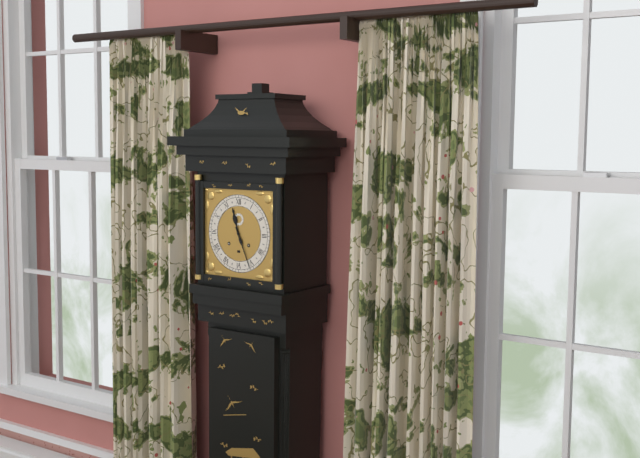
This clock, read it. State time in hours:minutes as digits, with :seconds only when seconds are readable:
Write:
11:26
